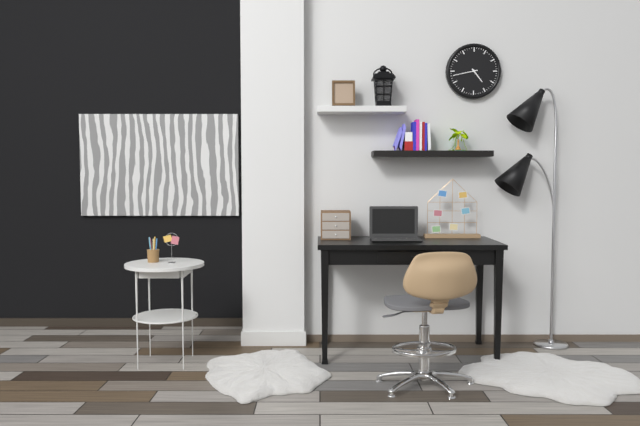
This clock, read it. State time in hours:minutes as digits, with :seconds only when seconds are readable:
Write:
4:43
